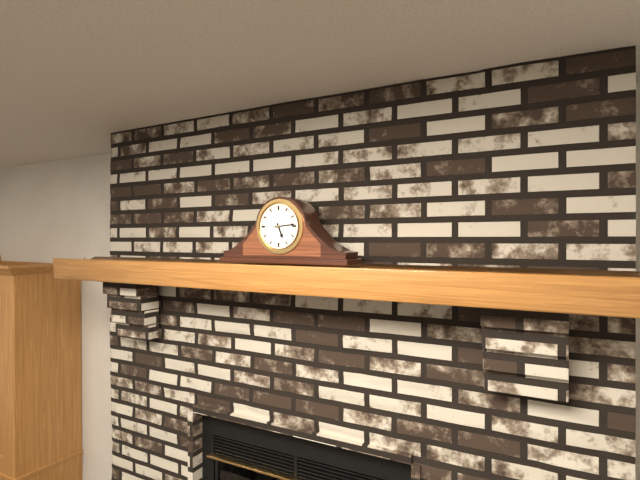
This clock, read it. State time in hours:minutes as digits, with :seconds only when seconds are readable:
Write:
5:14
